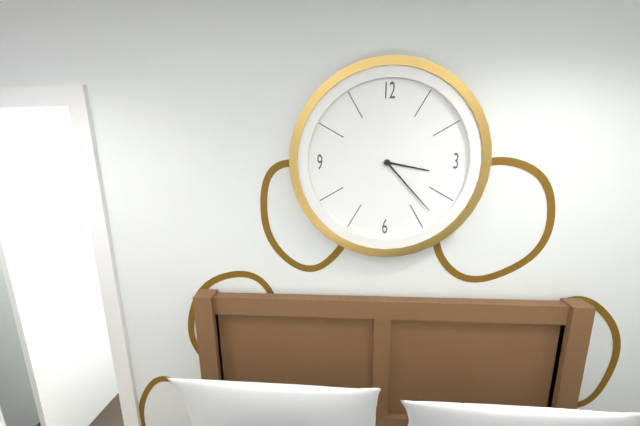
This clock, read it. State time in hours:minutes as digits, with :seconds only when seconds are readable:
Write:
3:23
